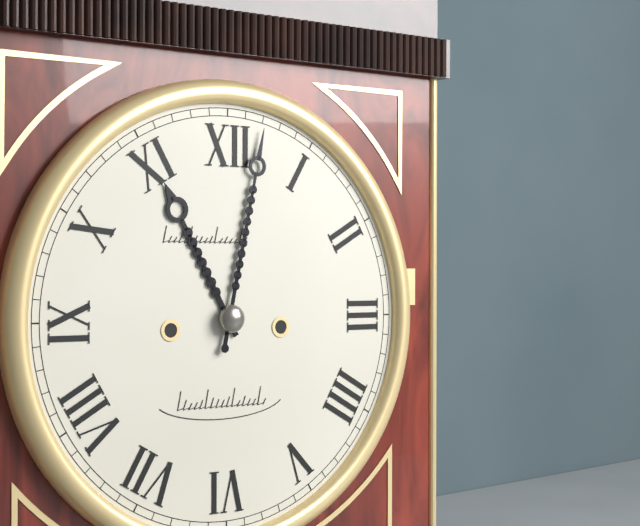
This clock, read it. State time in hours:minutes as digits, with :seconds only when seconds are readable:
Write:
11:02
